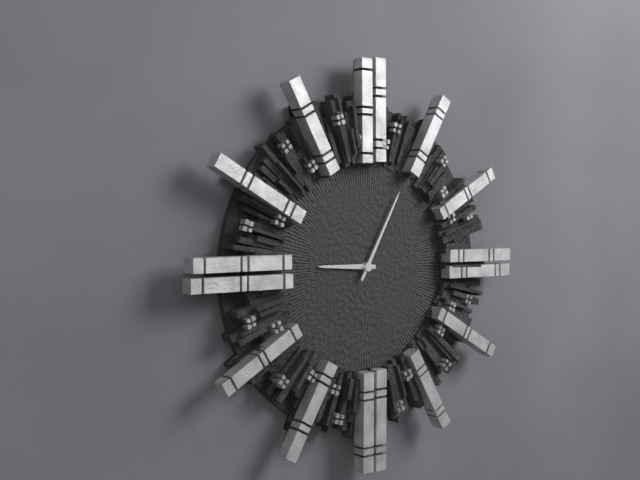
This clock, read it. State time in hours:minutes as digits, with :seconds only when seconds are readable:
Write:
9:05
